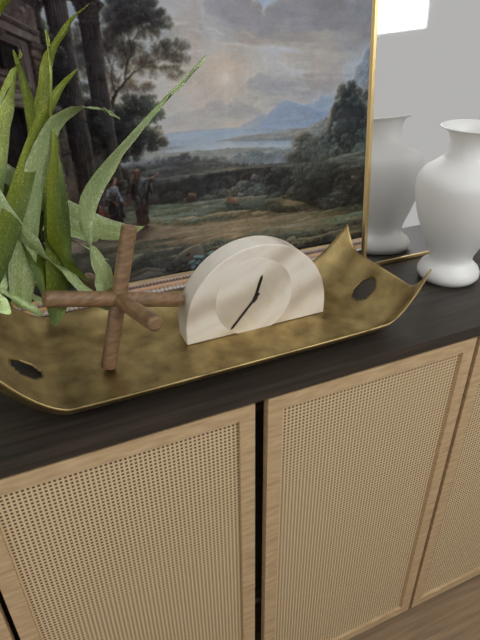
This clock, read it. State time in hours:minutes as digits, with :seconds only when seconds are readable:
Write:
12:37
